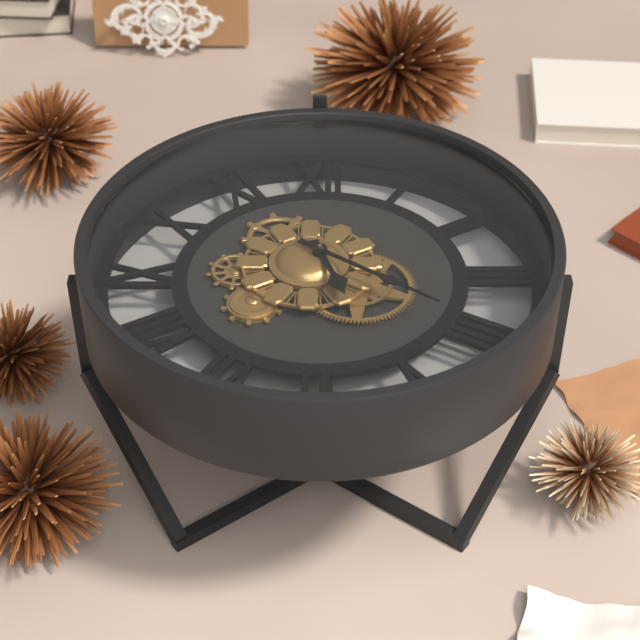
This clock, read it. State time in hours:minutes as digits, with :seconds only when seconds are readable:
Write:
5:21
